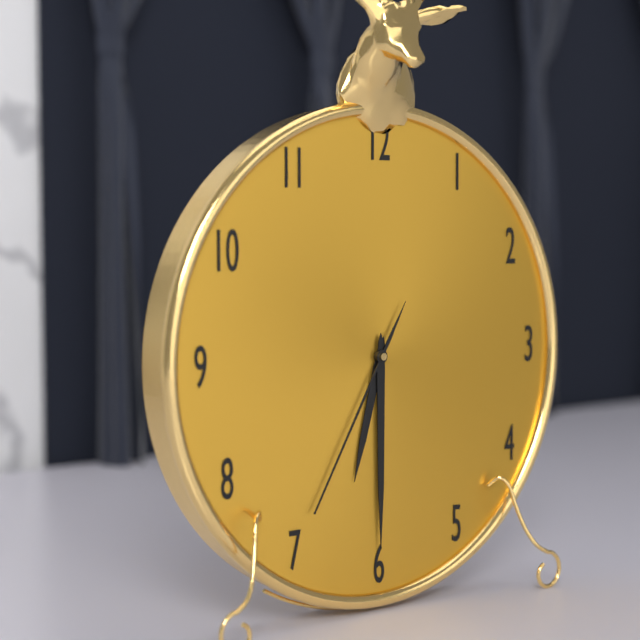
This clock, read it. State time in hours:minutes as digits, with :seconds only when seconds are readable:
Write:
6:30:35
